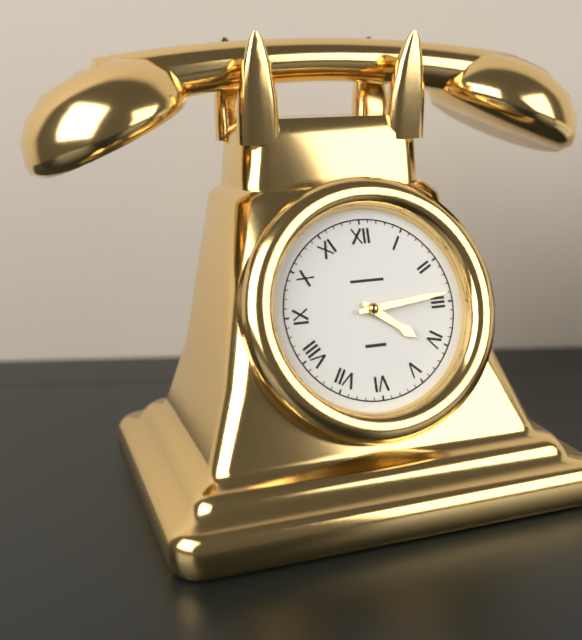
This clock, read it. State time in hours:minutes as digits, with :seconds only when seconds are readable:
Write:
4:14
